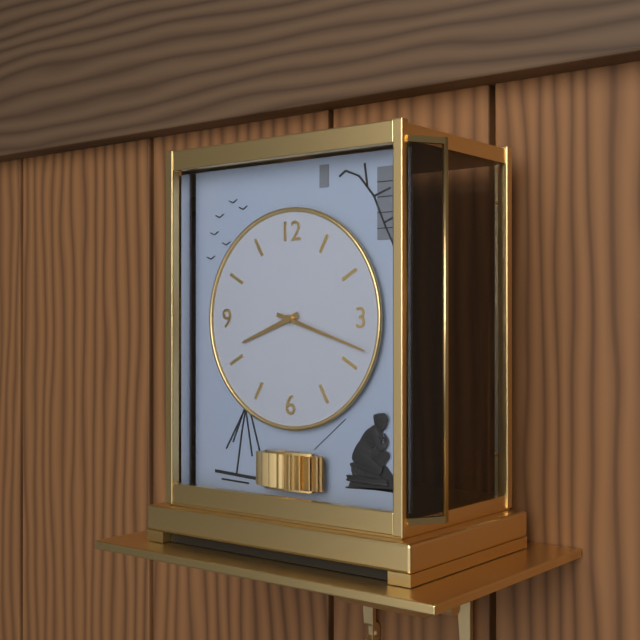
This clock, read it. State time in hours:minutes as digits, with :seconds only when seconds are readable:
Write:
8:18
